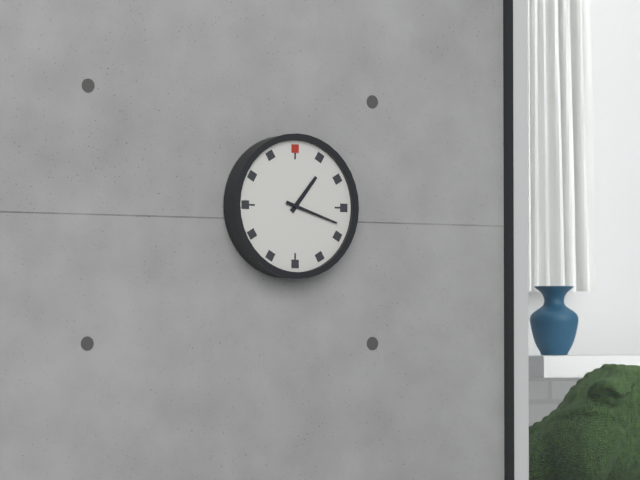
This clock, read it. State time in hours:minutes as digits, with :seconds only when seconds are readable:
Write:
1:18
